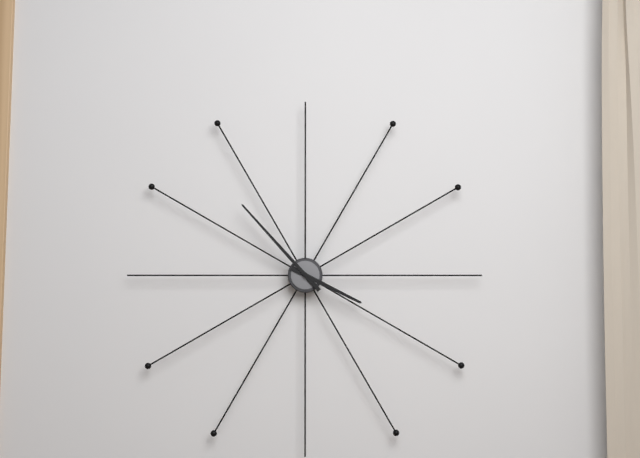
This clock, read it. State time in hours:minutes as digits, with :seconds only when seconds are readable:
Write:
3:53
